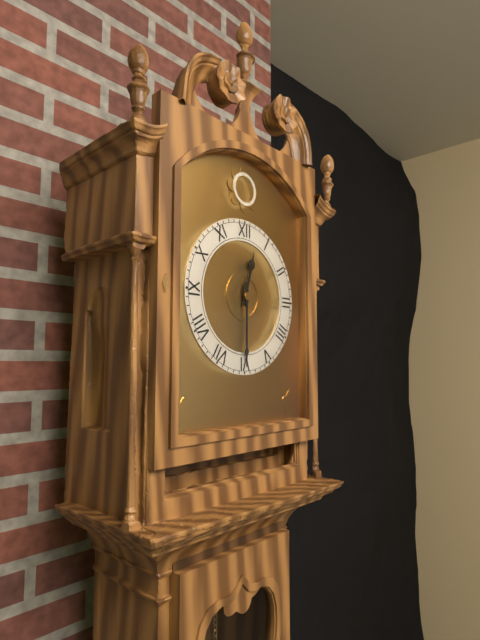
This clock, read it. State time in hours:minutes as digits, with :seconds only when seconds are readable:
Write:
12:30
